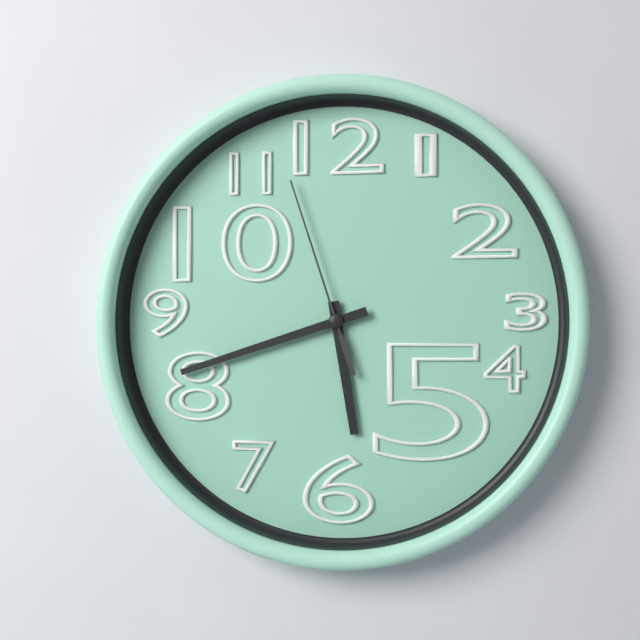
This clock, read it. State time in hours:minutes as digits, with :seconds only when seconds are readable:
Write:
5:42:57
